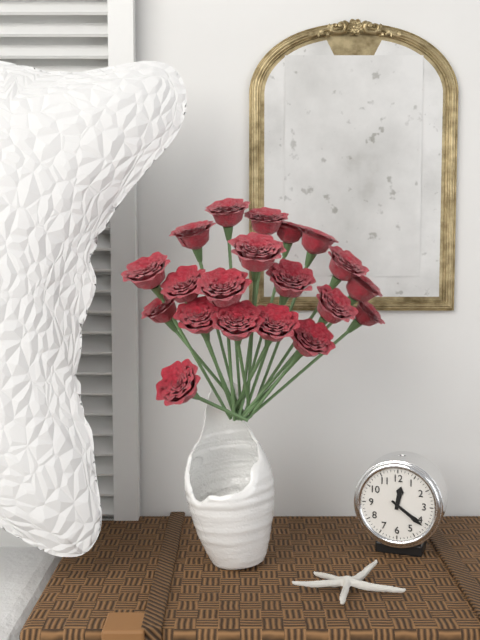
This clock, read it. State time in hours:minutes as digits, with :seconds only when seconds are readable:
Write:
12:21
